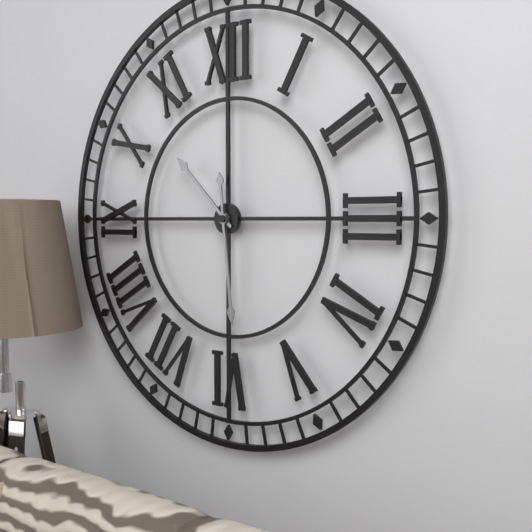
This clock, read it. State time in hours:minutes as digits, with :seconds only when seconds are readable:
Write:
10:29
